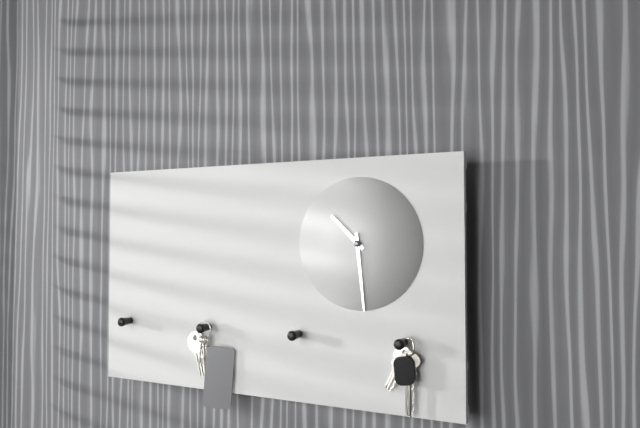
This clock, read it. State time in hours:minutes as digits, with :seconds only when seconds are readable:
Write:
10:29
